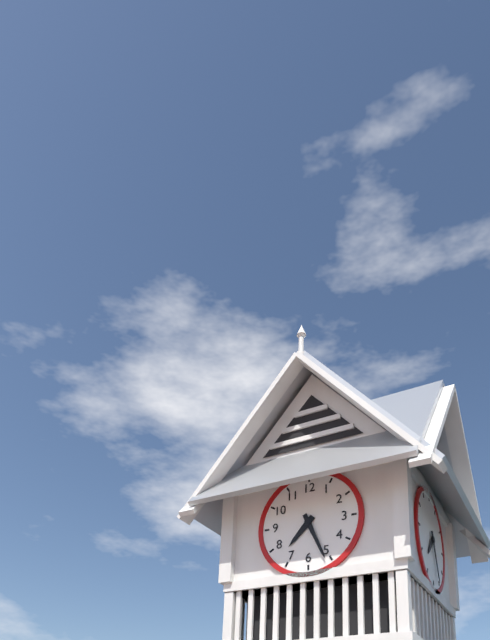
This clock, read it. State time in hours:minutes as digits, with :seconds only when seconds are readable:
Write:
7:26
